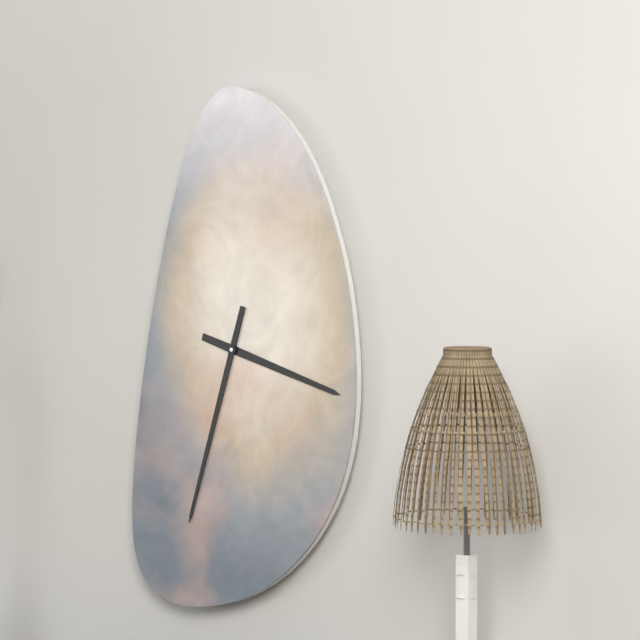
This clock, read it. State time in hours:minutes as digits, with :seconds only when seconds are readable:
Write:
3:33
